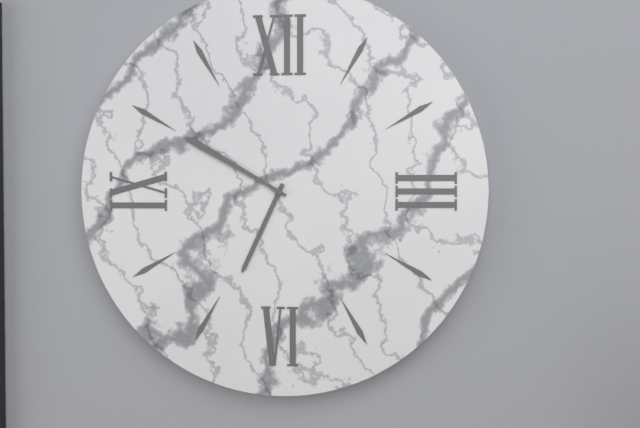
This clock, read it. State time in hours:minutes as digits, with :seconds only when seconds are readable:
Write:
6:50
